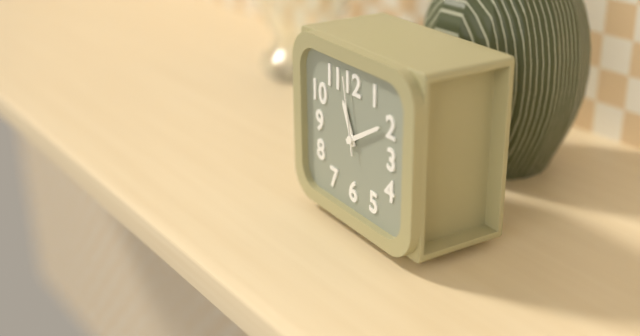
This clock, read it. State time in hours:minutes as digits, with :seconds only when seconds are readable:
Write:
11:10:58
